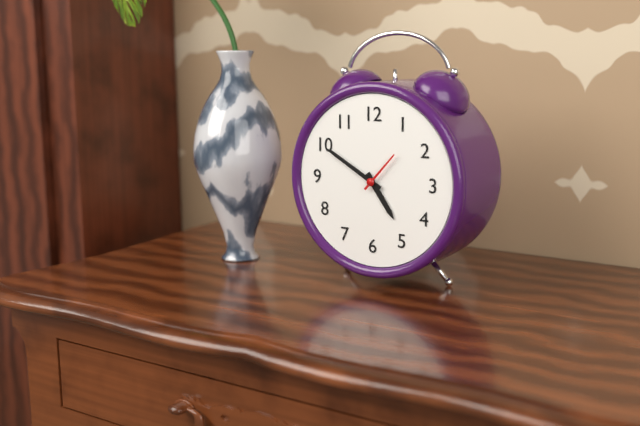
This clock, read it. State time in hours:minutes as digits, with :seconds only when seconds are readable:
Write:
4:50
